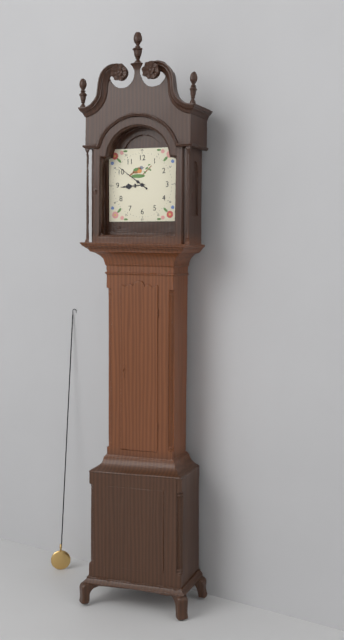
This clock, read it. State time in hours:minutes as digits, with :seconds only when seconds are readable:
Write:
8:51
